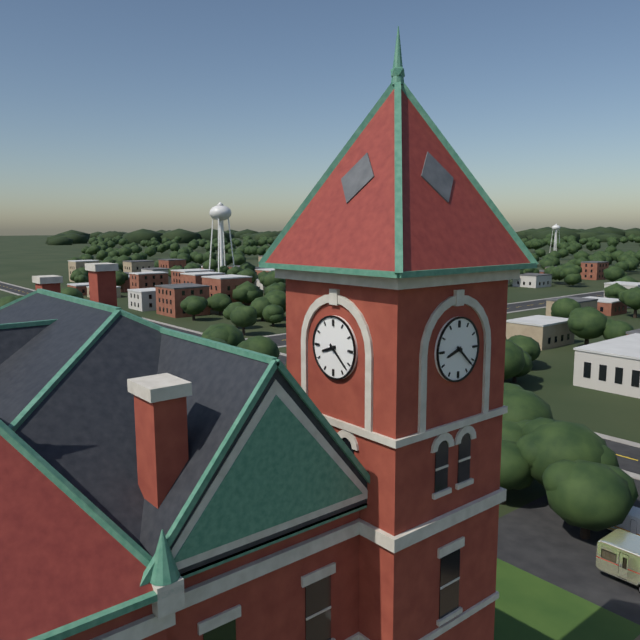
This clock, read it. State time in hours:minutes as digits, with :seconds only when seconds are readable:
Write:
8:22
